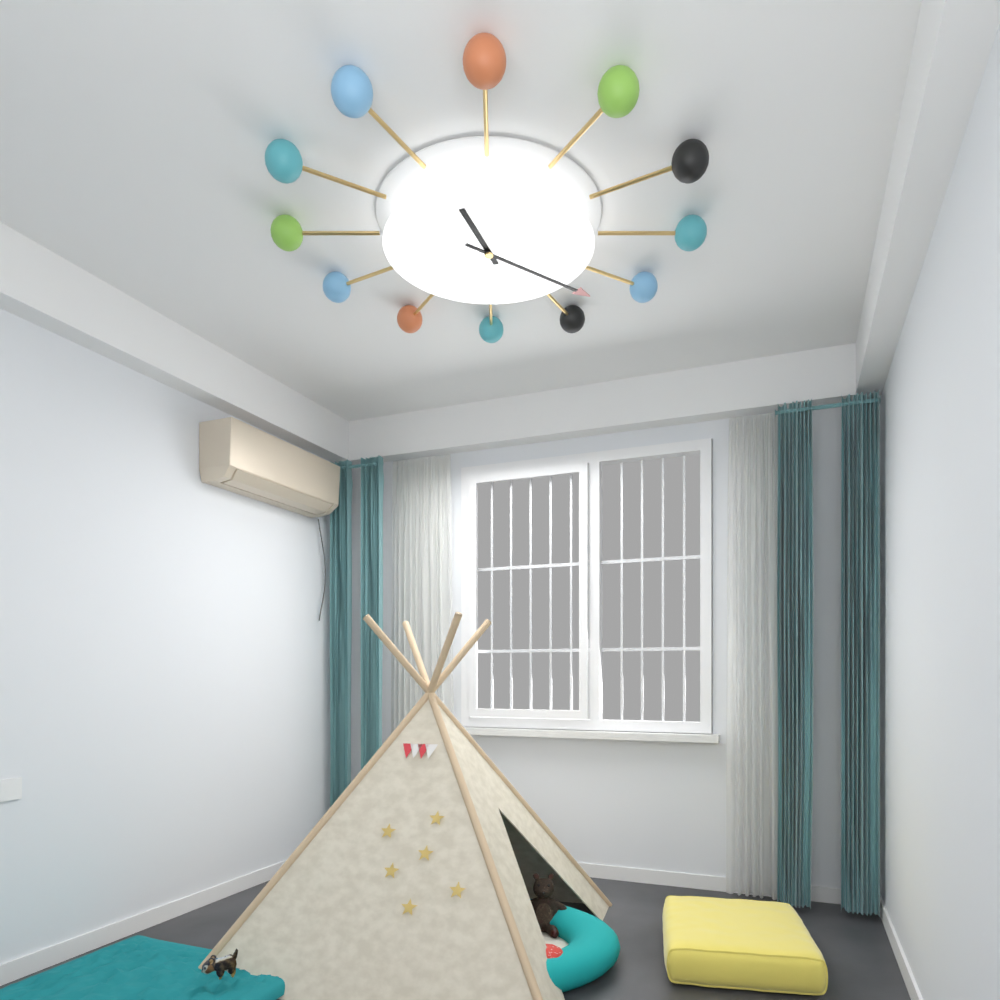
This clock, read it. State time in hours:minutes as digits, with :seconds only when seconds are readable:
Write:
11:21
